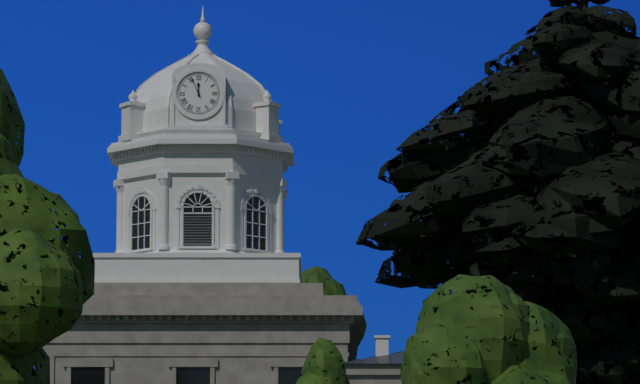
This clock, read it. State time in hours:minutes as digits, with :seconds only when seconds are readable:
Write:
11:56
